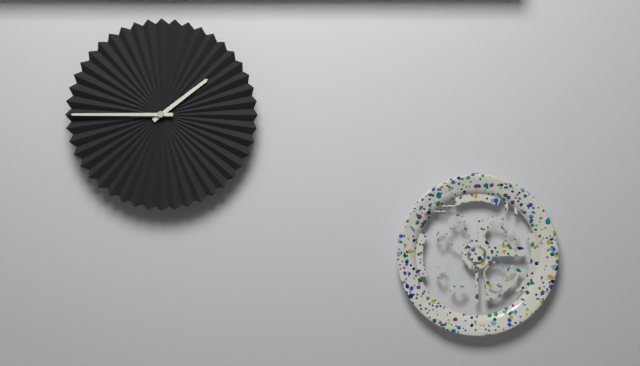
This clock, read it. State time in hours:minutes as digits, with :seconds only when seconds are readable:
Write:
1:45
